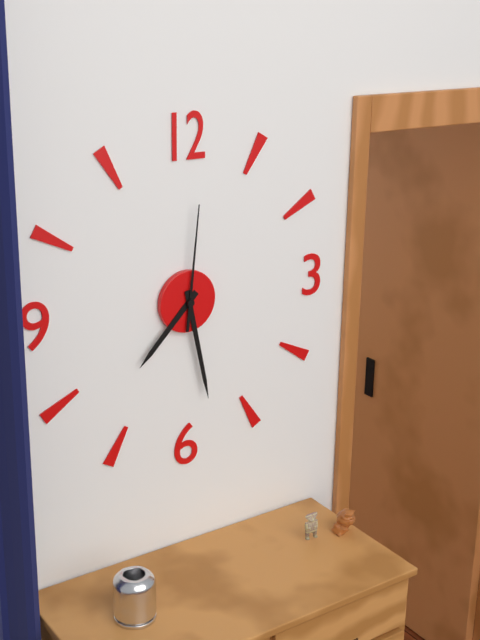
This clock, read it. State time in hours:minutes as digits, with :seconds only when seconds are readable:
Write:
7:28:01
